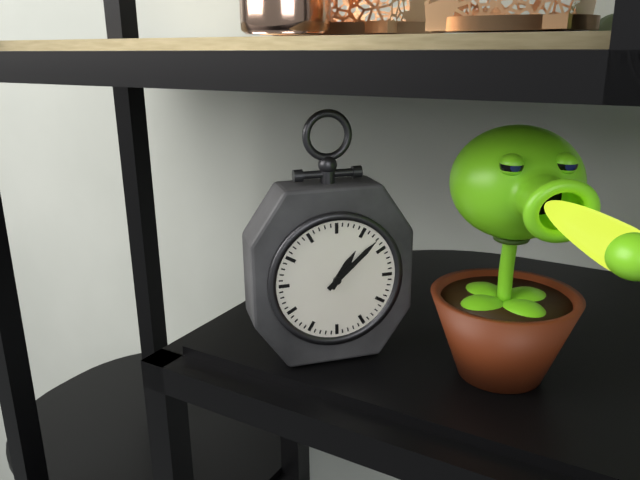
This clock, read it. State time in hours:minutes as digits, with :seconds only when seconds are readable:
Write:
1:08
